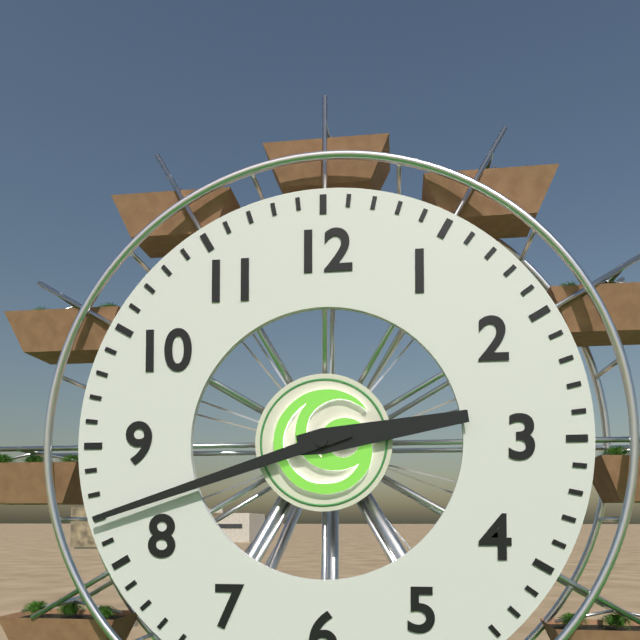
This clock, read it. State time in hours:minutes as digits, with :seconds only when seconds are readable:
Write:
2:42
